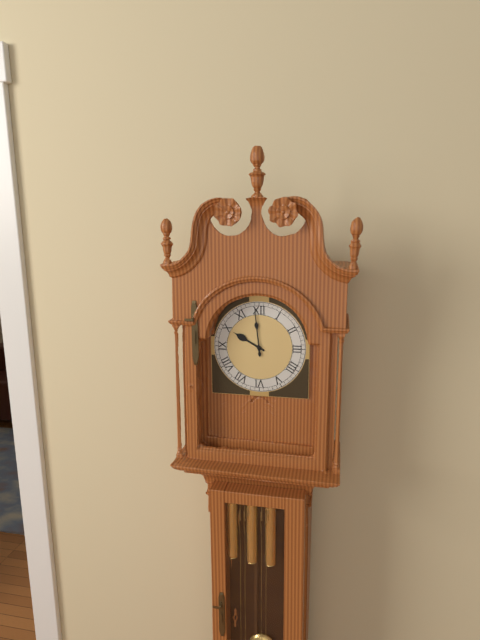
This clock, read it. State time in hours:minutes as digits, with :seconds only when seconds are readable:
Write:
9:59
